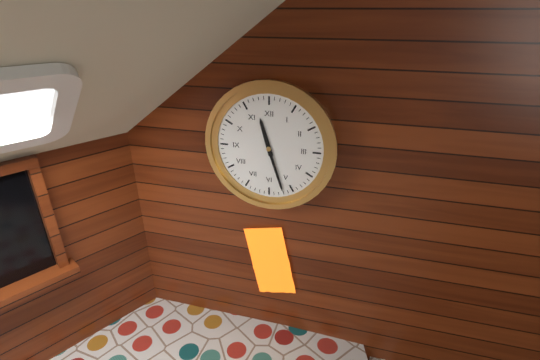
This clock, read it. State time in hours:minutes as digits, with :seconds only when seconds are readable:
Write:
11:27
